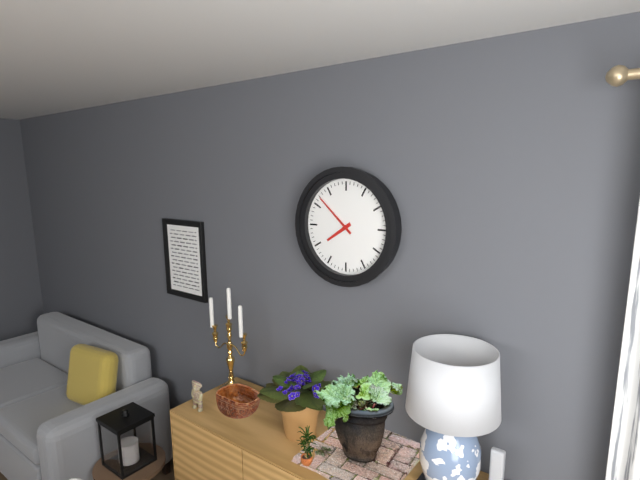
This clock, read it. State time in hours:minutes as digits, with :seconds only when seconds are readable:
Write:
7:52
